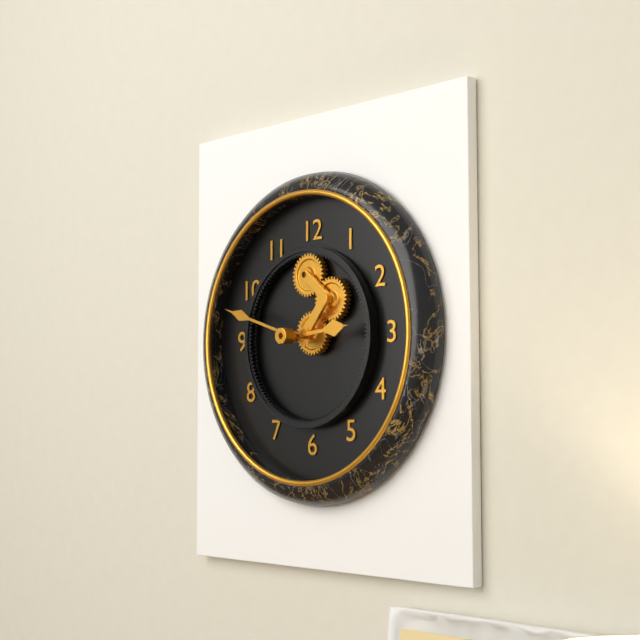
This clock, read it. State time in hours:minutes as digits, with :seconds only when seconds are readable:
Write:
2:48
